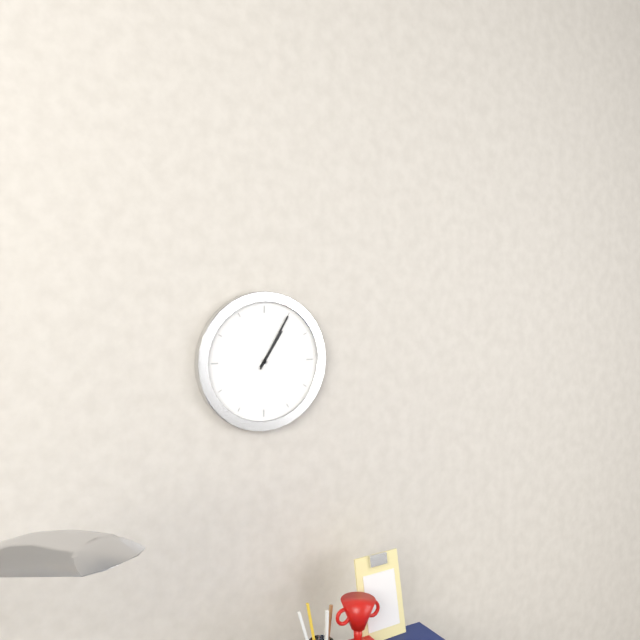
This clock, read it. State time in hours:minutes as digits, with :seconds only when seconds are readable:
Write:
1:05
